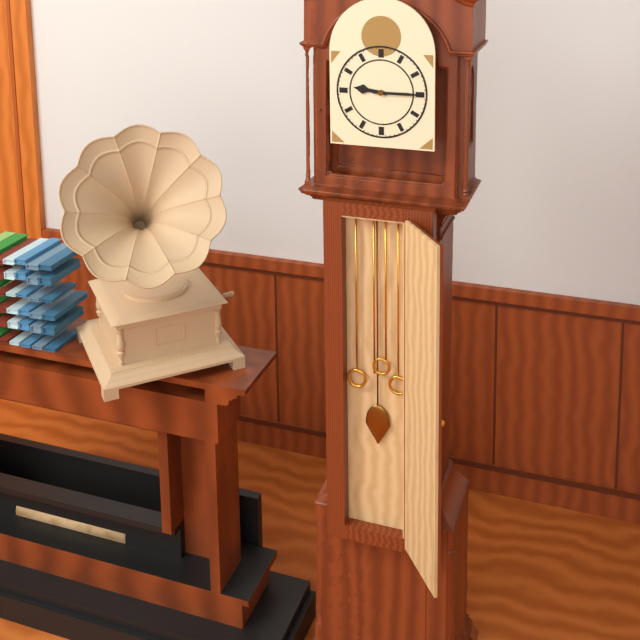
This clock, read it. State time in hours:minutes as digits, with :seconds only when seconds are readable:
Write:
9:15
